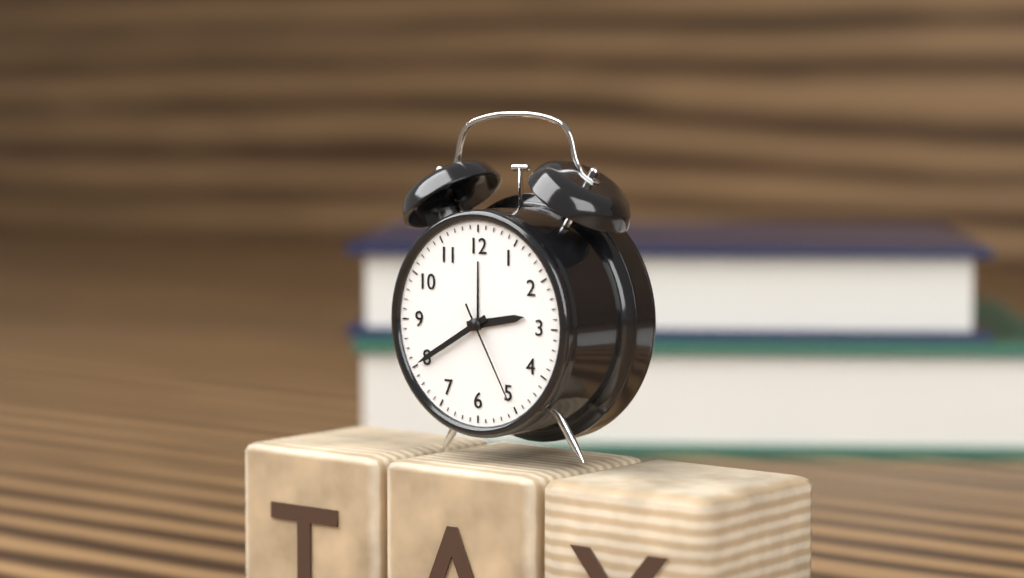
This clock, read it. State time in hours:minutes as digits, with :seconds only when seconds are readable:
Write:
2:40:25
